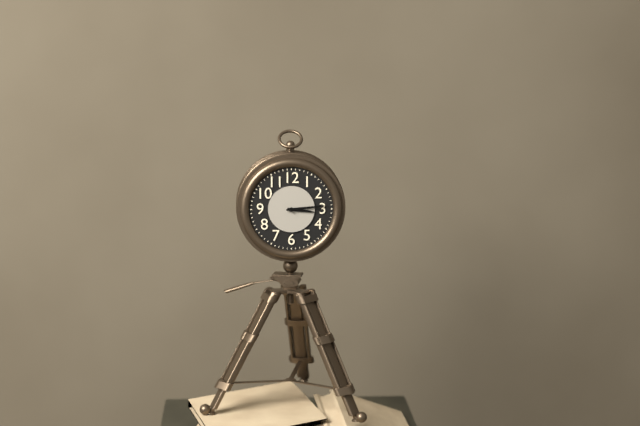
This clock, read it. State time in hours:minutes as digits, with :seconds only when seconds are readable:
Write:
3:14
